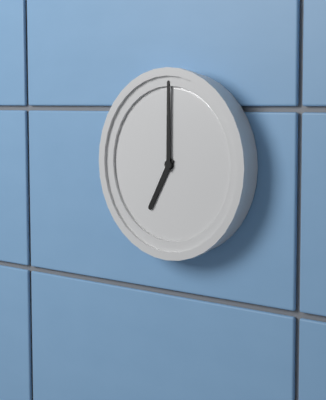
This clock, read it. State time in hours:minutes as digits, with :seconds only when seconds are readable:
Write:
7:00
